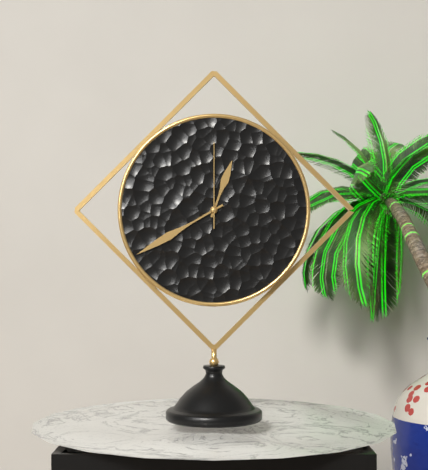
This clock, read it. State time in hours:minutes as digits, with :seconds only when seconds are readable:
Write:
12:40:00
